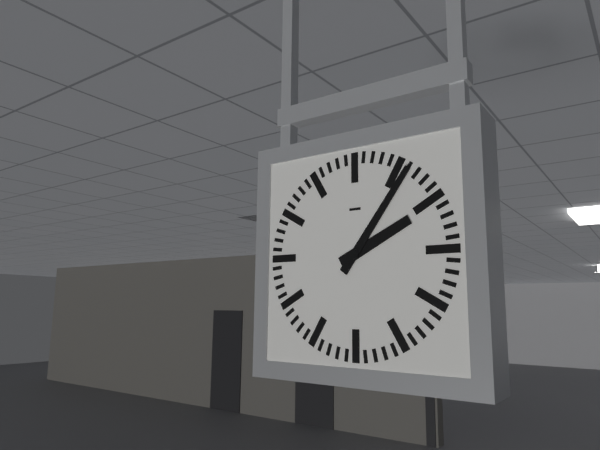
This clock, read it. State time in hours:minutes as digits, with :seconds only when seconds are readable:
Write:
2:06
